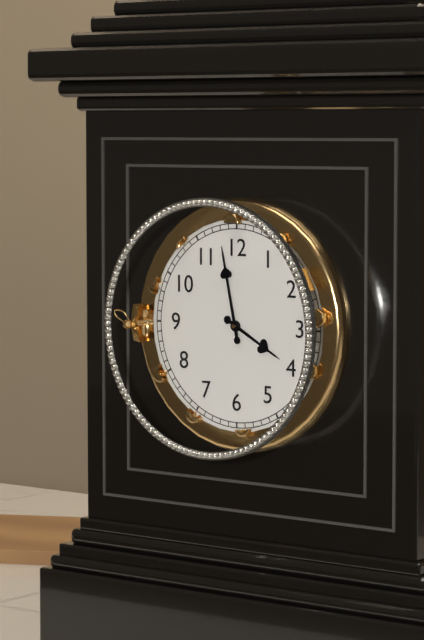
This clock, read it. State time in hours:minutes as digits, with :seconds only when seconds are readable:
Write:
3:58
